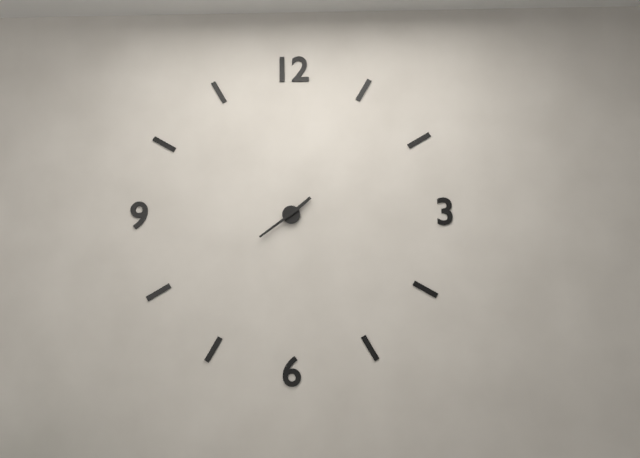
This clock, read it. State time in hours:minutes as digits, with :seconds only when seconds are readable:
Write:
1:39
